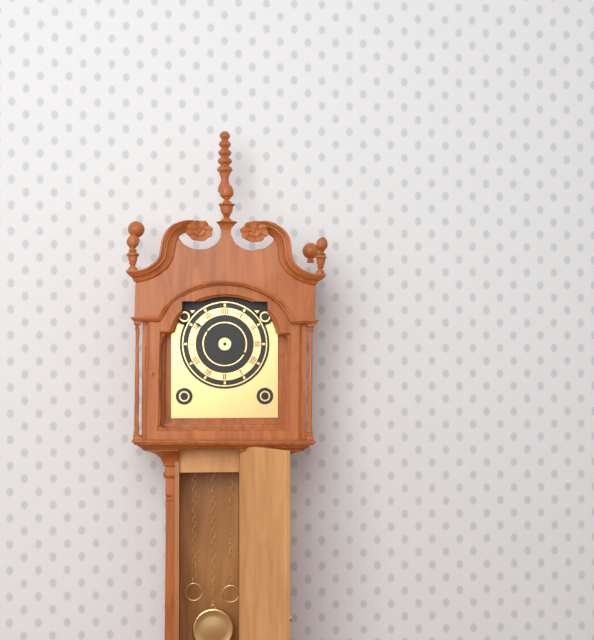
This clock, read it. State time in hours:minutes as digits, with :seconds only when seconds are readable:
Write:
3:51
